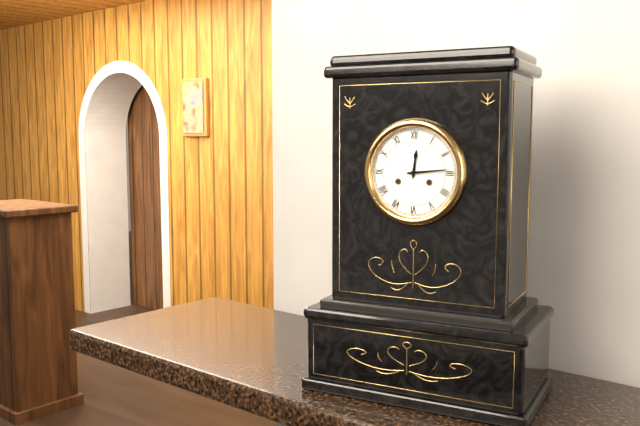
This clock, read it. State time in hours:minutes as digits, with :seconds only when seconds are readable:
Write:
12:14
